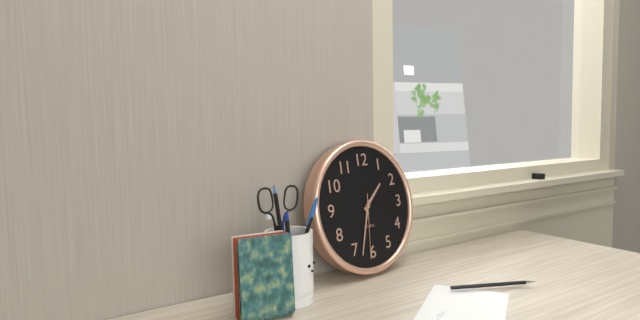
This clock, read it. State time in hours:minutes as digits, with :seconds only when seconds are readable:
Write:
1:33:31
